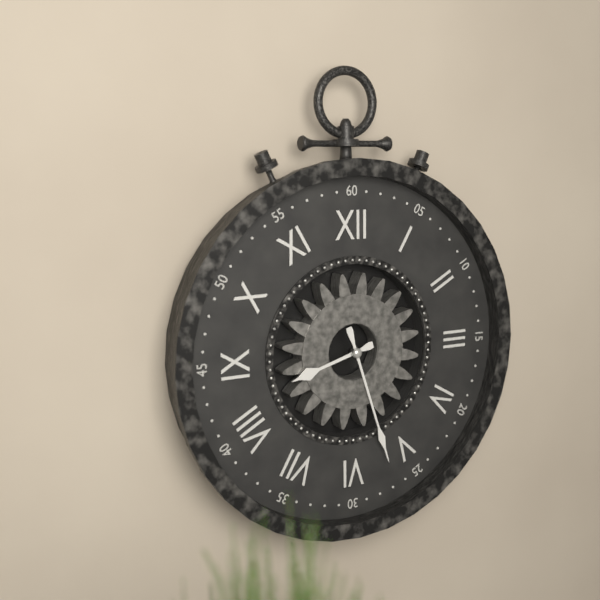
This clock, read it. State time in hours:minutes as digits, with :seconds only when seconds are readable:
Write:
8:27
